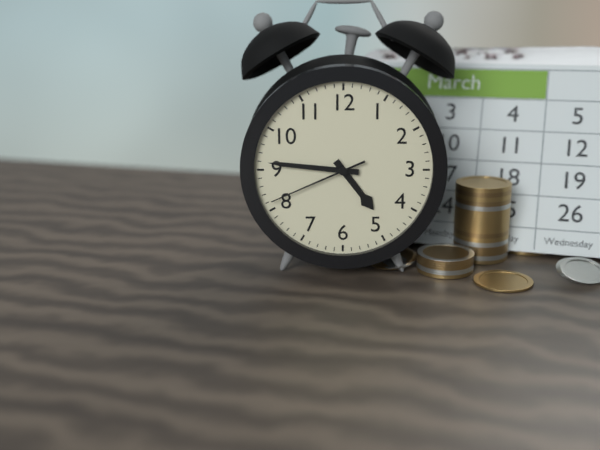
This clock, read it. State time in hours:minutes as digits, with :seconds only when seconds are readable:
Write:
4:46:41
